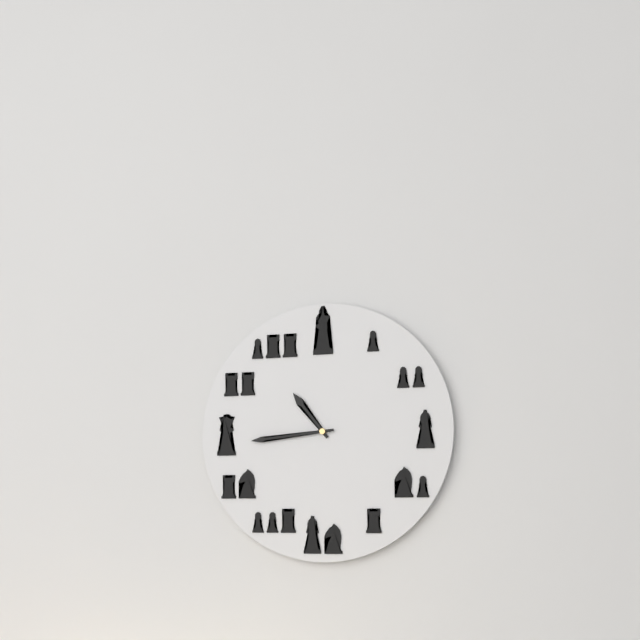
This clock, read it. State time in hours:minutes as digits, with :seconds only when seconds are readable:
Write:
10:44
